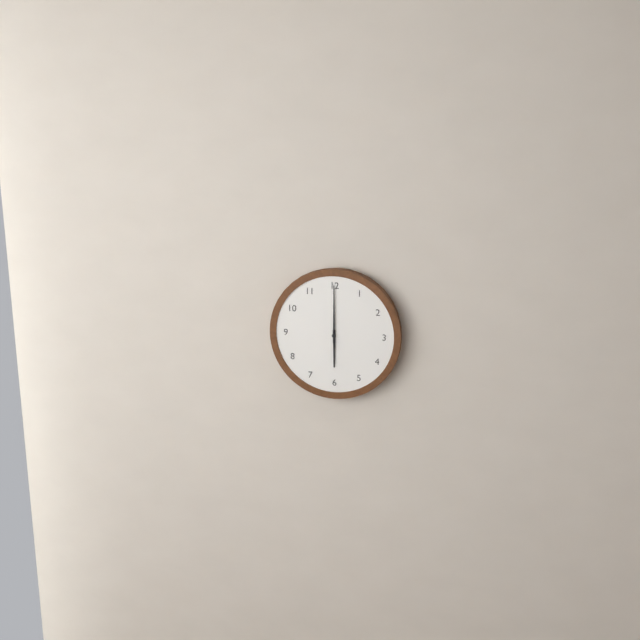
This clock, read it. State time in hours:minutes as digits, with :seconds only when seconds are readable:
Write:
6:00
